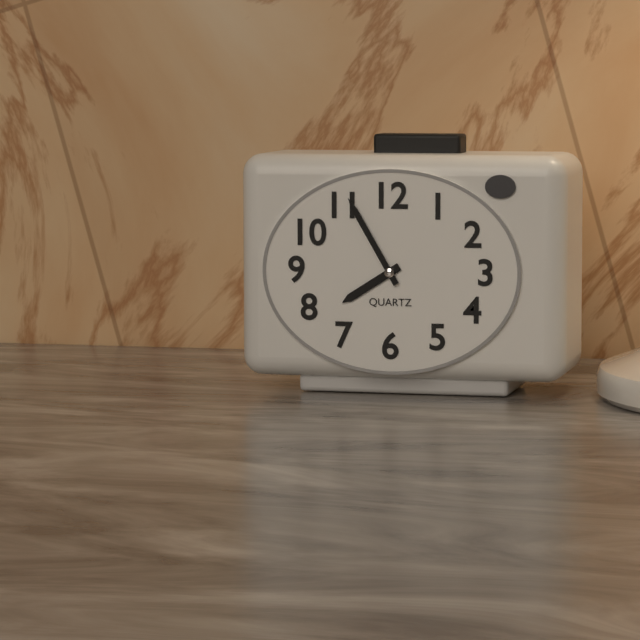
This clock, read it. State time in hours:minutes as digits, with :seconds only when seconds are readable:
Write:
7:55
